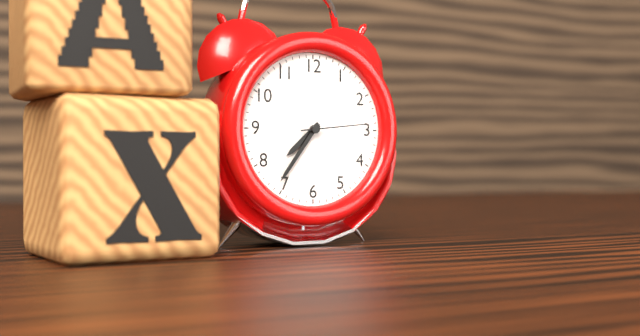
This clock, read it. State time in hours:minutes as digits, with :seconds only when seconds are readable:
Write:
7:36:14
